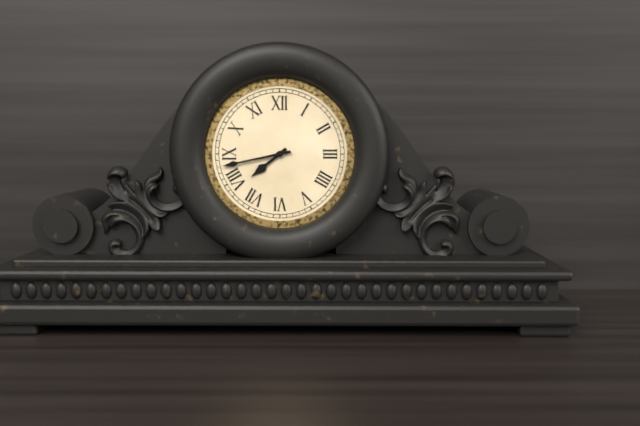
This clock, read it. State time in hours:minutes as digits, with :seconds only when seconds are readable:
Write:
7:43
